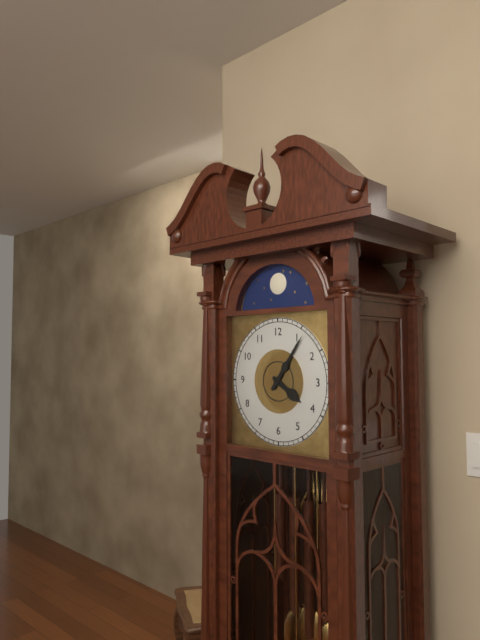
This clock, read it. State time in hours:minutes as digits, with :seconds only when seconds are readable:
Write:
4:06
